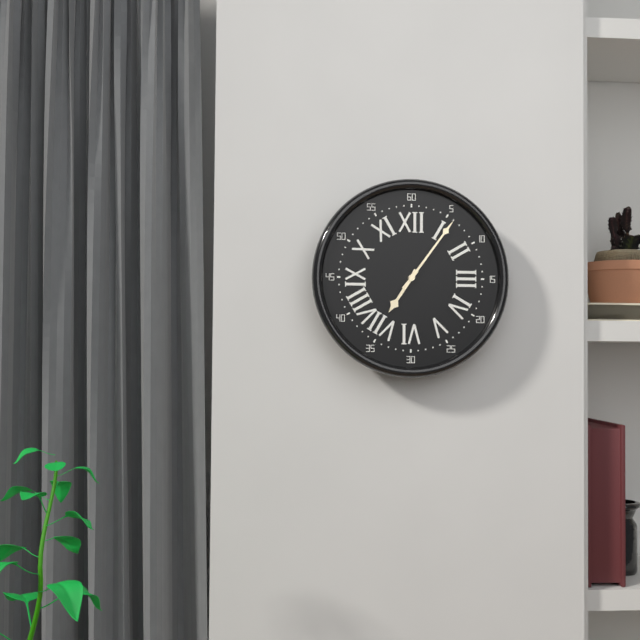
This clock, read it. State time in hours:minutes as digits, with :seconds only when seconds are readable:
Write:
7:06
